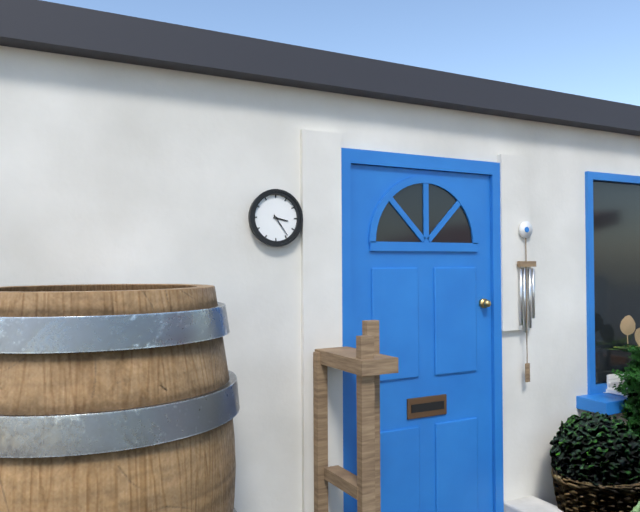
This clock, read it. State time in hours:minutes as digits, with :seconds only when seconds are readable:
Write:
3:24
